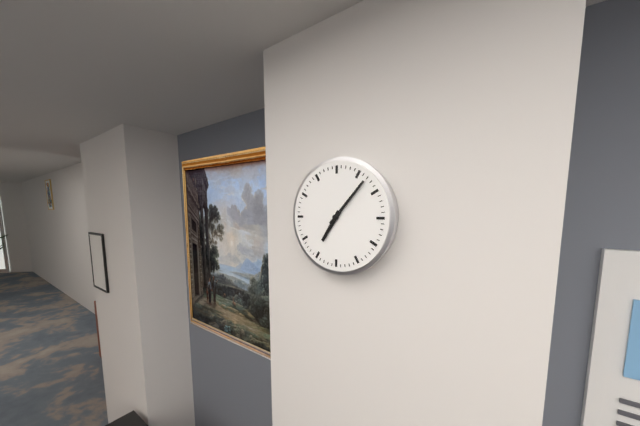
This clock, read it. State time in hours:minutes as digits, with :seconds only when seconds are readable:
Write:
7:07
